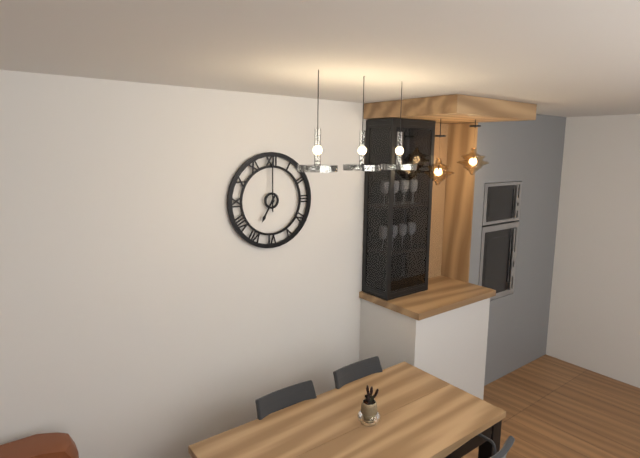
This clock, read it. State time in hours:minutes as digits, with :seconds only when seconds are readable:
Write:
7:00
